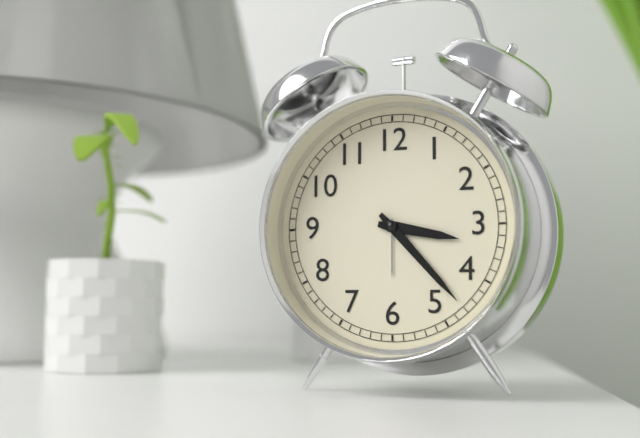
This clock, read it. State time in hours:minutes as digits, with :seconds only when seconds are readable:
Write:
3:23
